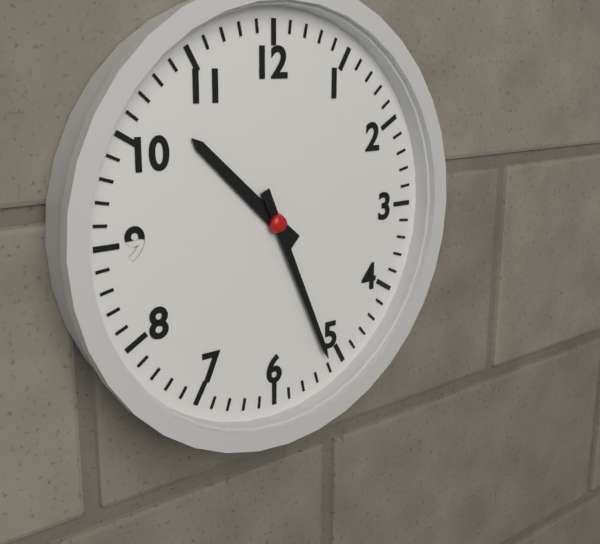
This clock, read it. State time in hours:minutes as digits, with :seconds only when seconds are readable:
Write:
10:26
